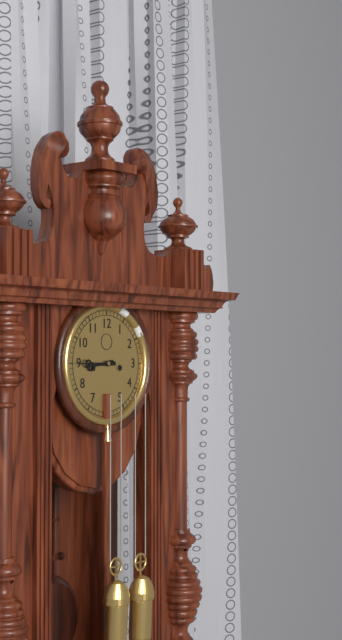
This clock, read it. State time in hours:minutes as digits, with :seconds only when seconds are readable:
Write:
8:45
